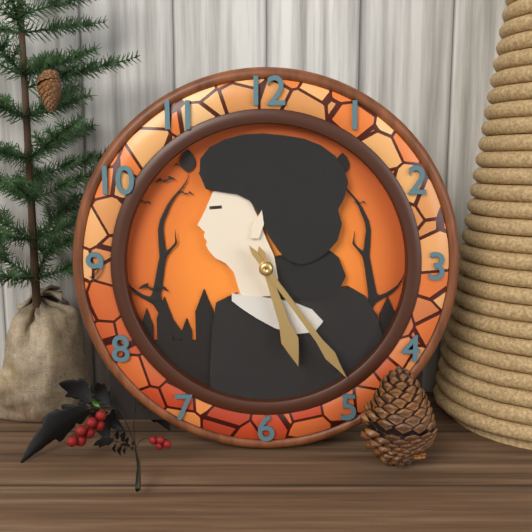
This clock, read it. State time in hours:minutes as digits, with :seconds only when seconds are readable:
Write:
5:24
